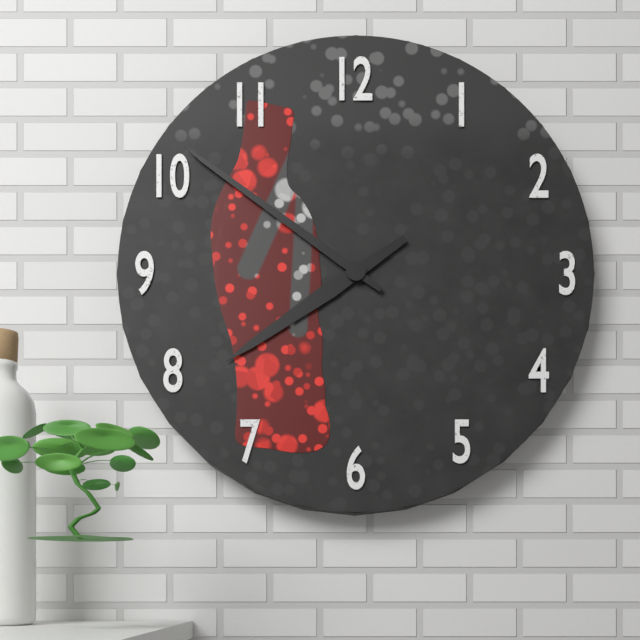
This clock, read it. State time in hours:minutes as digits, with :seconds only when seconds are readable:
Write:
7:51
